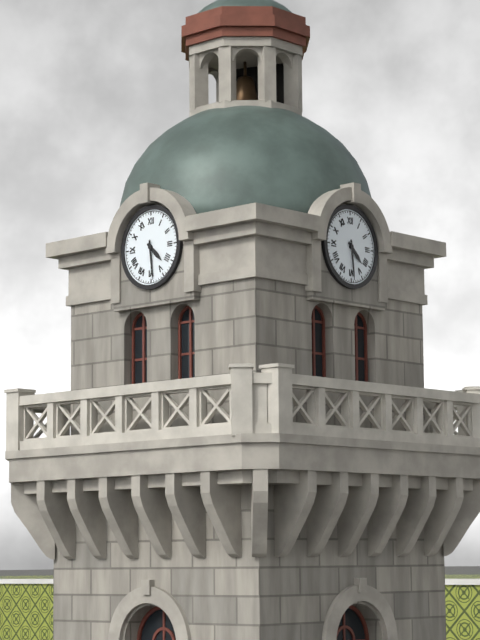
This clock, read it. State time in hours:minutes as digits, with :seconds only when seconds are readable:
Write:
4:29
